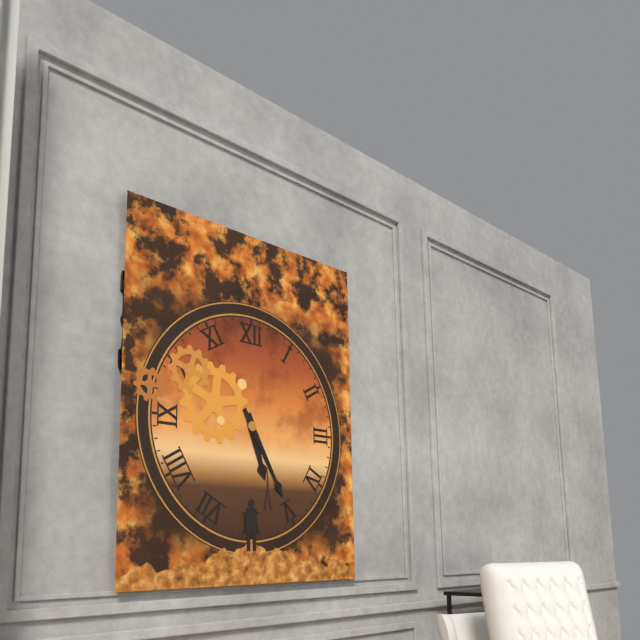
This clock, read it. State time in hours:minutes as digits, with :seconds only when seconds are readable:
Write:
5:25
